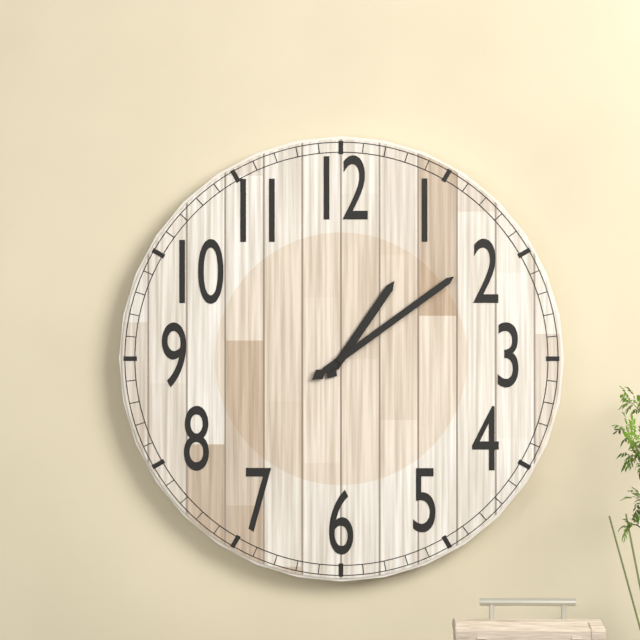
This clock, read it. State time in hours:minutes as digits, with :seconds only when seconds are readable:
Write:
1:09
